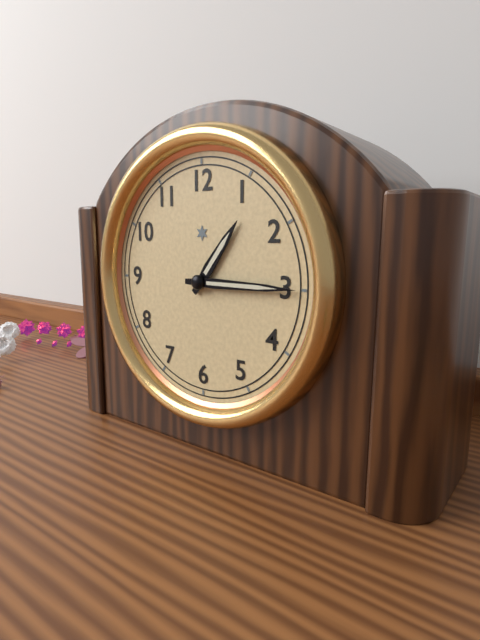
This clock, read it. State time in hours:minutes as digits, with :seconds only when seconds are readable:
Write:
1:15
